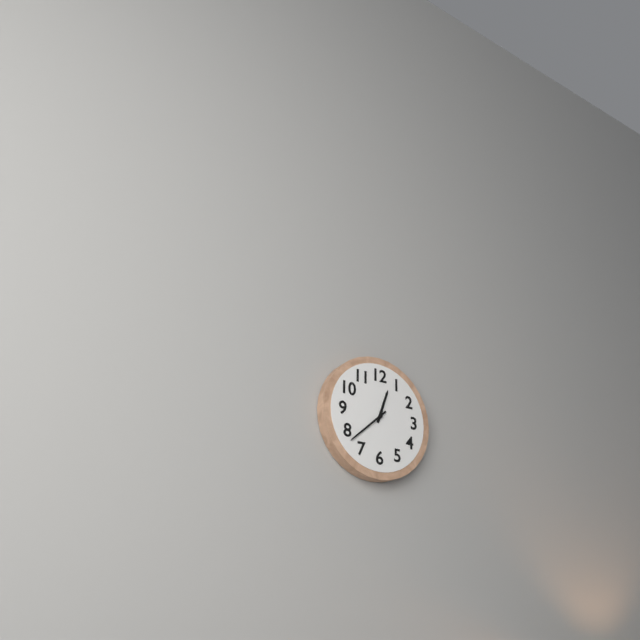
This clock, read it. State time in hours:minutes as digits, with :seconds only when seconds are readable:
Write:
12:38
